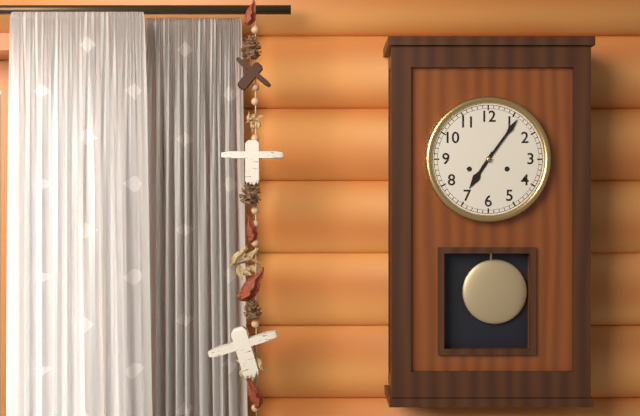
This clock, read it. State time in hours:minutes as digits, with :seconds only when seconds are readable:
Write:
7:06
